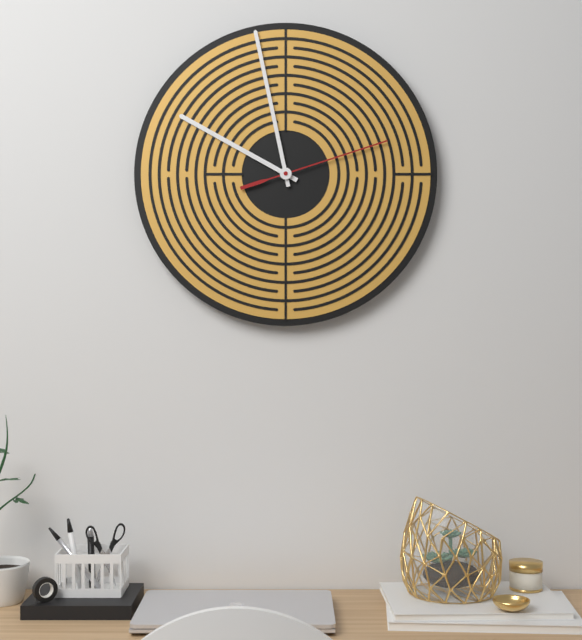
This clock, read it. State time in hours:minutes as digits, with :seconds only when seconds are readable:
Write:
9:58:12
